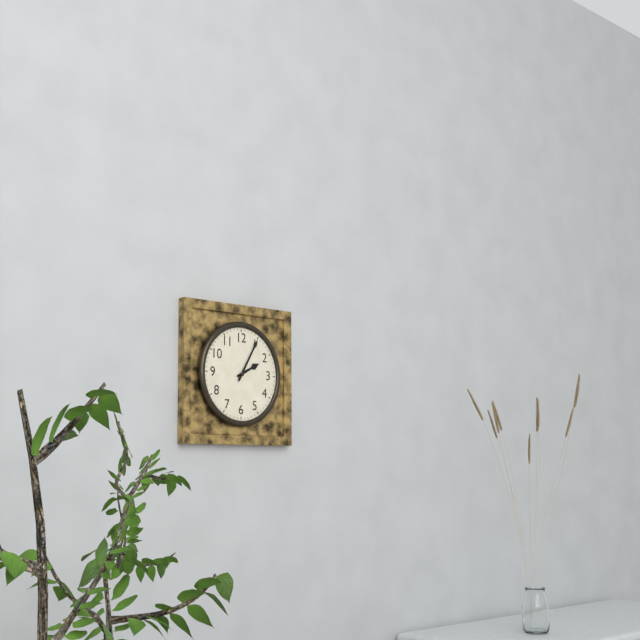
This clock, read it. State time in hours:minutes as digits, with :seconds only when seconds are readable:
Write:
2:05
